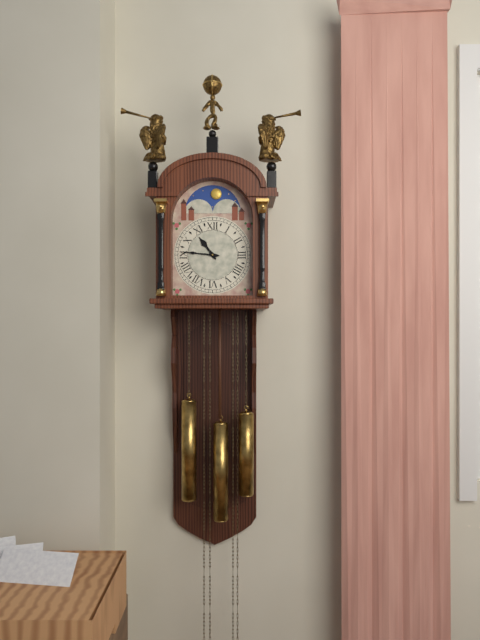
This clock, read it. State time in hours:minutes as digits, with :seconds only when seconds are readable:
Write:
10:46
